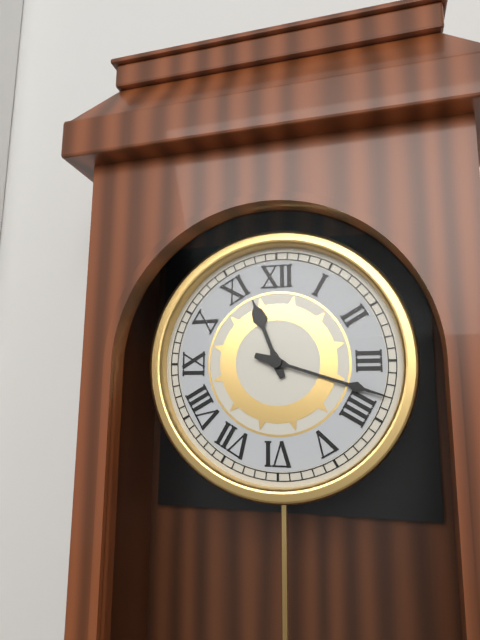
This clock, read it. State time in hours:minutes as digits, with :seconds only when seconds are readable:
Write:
11:18
